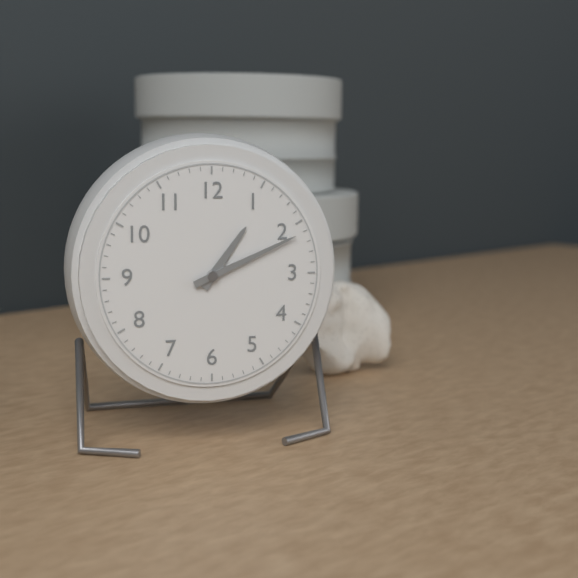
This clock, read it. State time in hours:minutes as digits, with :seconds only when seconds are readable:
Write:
1:11
